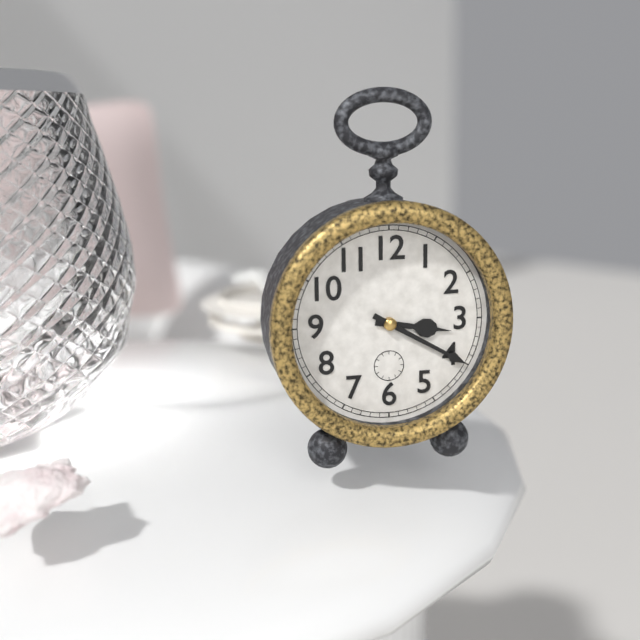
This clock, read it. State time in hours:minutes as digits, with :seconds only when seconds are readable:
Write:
3:20
